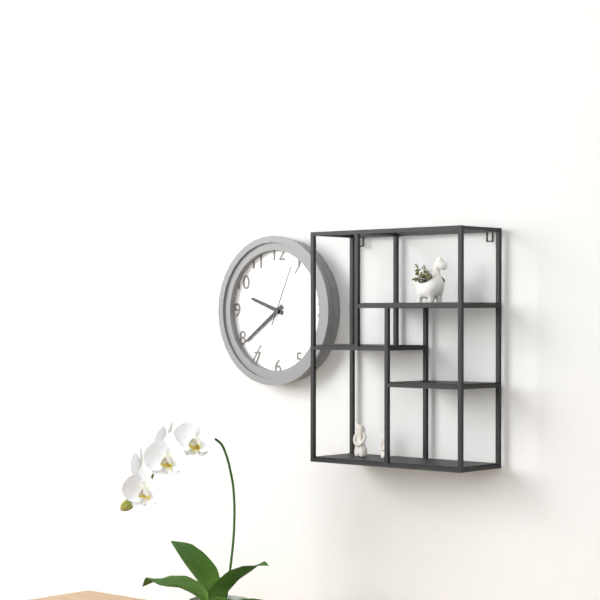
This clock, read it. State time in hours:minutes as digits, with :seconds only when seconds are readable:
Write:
9:39:04
